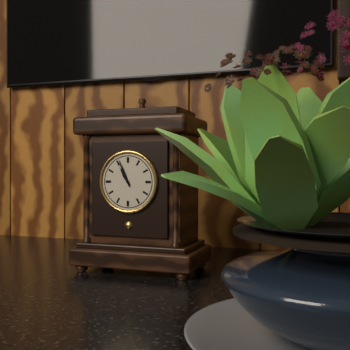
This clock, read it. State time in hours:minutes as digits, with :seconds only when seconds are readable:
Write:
10:56
